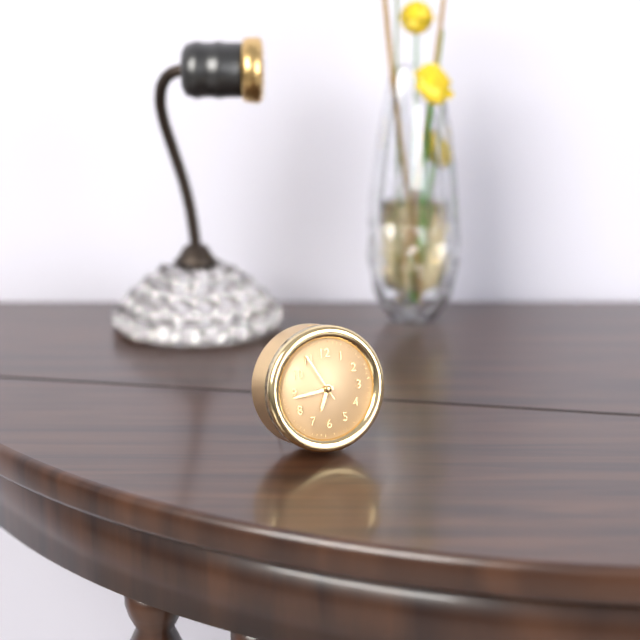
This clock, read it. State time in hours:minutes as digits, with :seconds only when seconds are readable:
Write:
6:44:55
